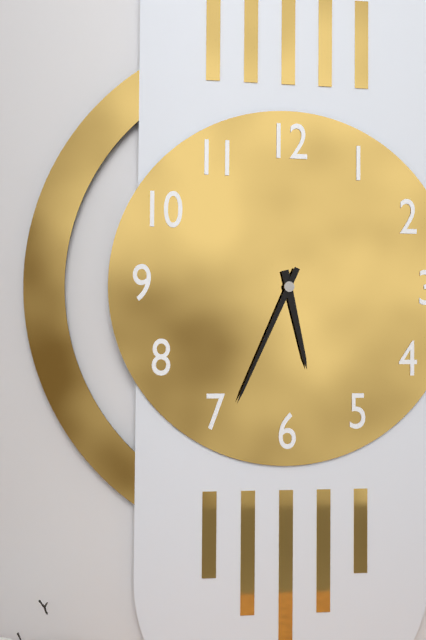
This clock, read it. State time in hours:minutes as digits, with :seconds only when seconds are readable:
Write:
5:34
